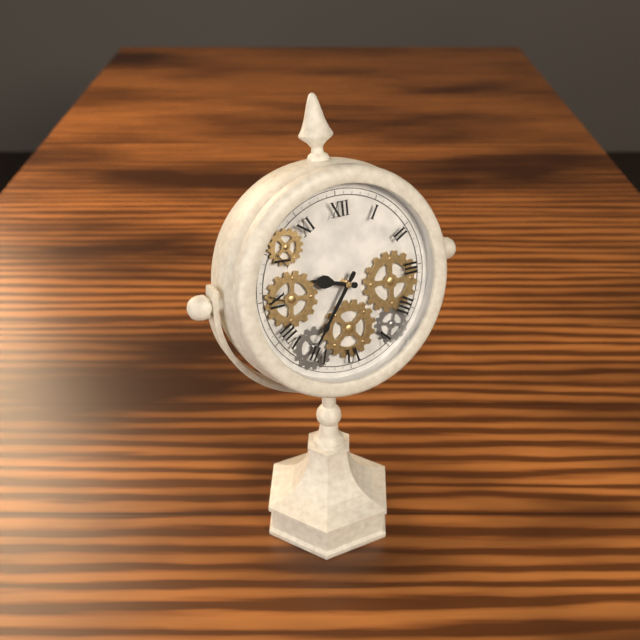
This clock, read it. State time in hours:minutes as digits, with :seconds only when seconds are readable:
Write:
9:36
